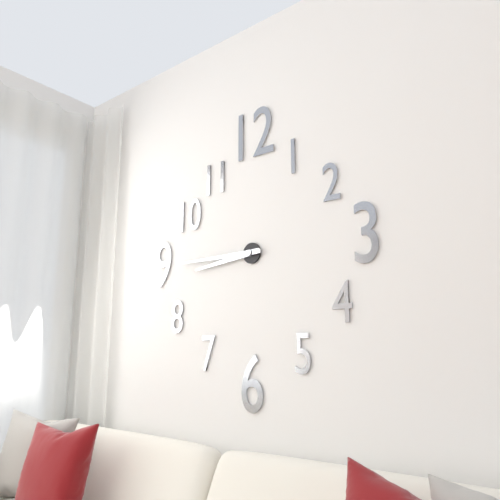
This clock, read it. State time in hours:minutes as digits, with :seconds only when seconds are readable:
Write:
8:45
